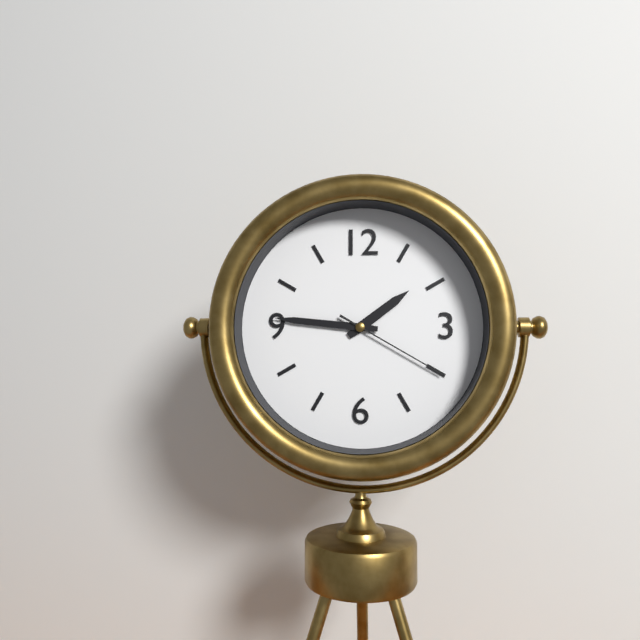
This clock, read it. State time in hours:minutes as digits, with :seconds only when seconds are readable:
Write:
1:46:20
